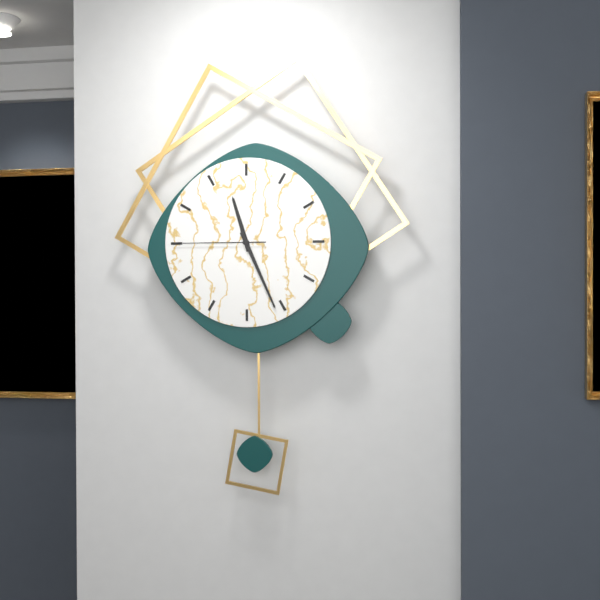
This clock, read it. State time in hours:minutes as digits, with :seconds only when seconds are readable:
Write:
11:26:45
